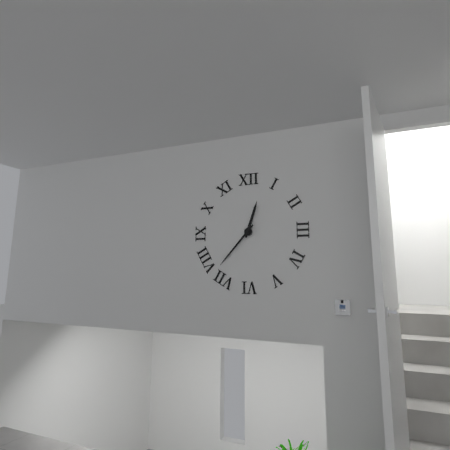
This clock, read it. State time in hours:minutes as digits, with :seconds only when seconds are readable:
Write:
12:37
